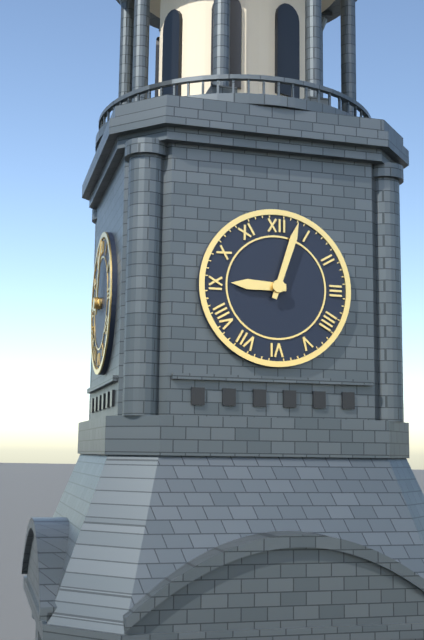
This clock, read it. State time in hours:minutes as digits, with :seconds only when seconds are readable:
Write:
9:03
